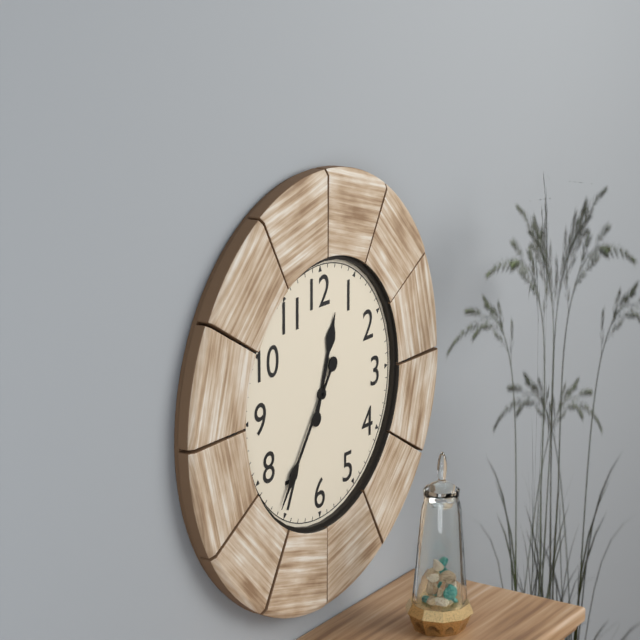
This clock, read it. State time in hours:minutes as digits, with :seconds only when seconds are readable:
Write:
12:36
